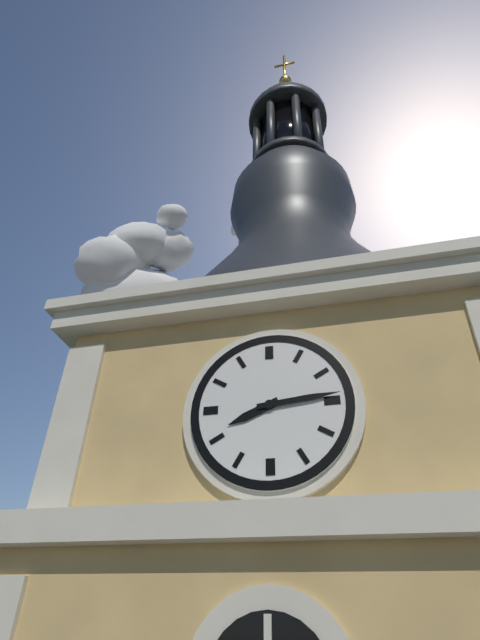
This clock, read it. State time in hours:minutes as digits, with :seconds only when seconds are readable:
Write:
8:14
